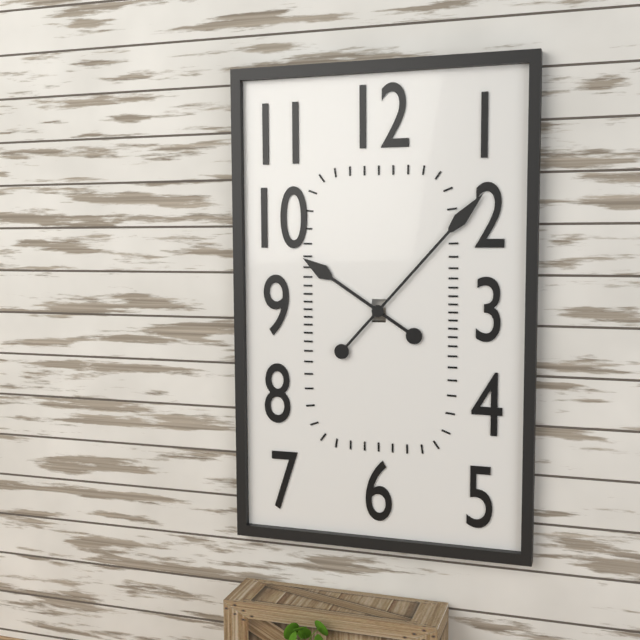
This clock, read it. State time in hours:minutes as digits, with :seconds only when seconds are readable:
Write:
10:07
